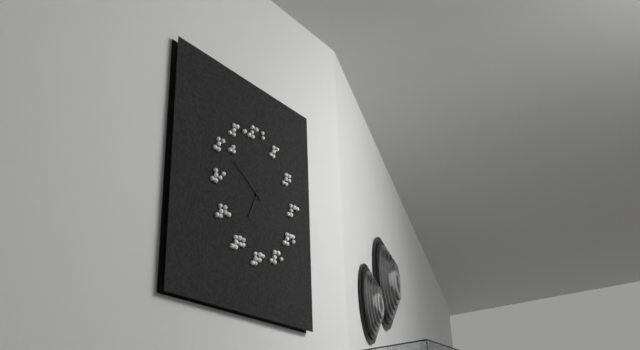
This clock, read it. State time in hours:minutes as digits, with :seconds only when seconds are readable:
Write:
6:51
